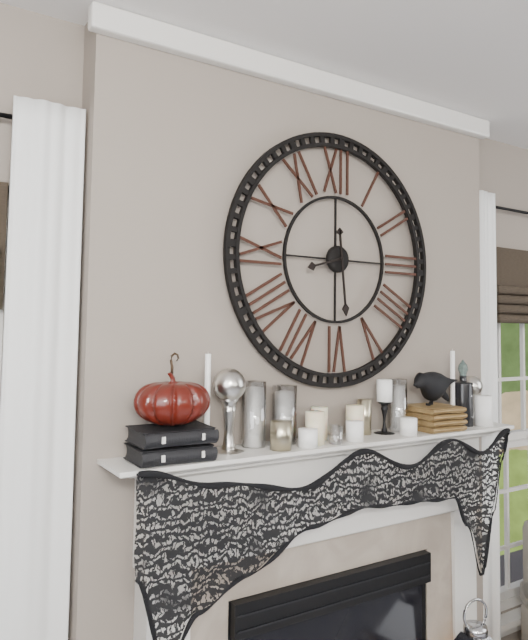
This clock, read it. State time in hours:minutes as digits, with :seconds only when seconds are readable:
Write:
8:29
